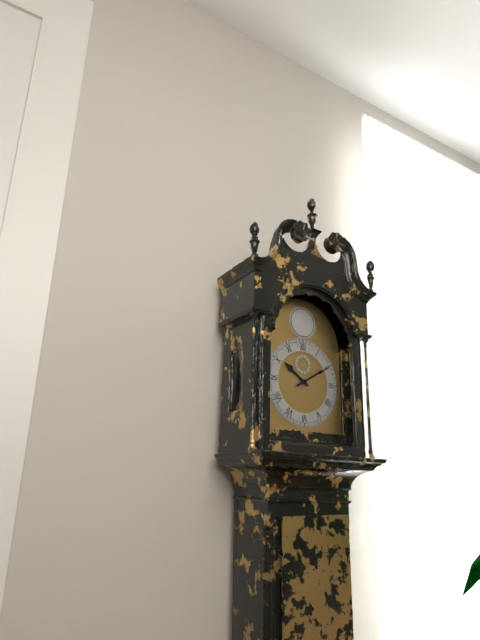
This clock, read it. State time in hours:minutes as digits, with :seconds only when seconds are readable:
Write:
10:10
